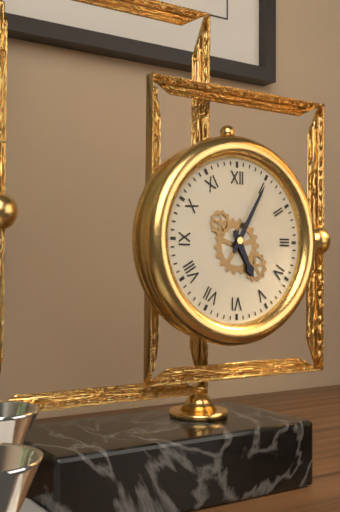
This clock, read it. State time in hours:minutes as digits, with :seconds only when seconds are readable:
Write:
5:05
